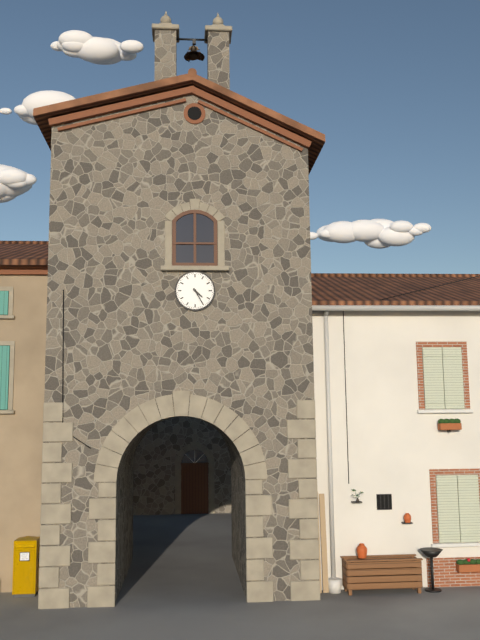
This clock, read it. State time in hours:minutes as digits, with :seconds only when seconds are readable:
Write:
4:25
